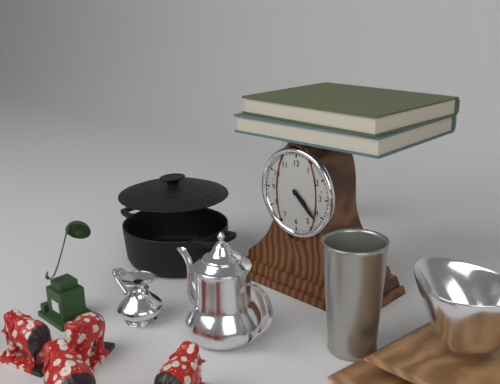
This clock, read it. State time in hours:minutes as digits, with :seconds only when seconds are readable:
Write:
4:22
